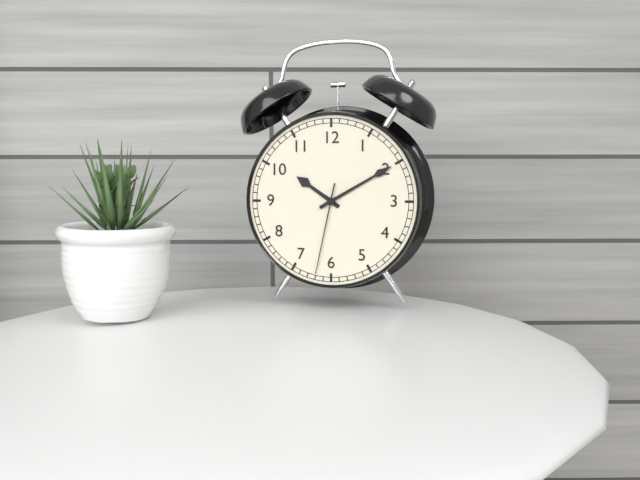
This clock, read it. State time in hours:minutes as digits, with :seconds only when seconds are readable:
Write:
10:10:32
